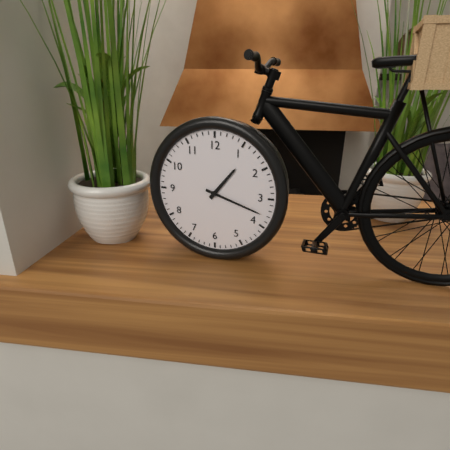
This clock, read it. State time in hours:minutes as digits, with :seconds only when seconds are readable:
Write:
1:18
